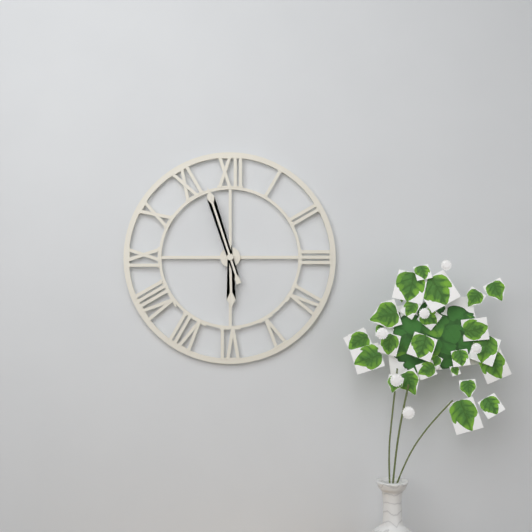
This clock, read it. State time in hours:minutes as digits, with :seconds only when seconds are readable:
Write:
5:57
